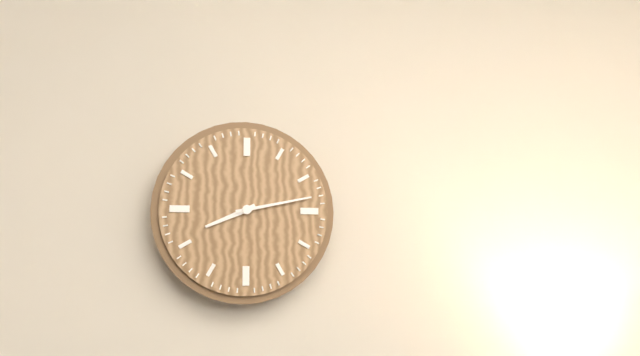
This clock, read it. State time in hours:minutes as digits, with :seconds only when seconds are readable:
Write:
8:13
